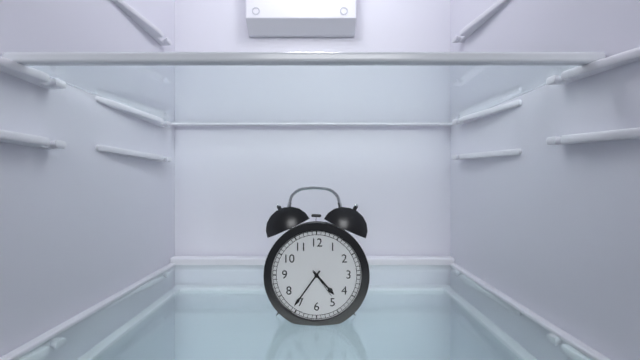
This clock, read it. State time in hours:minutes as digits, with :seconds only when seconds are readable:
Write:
4:36
